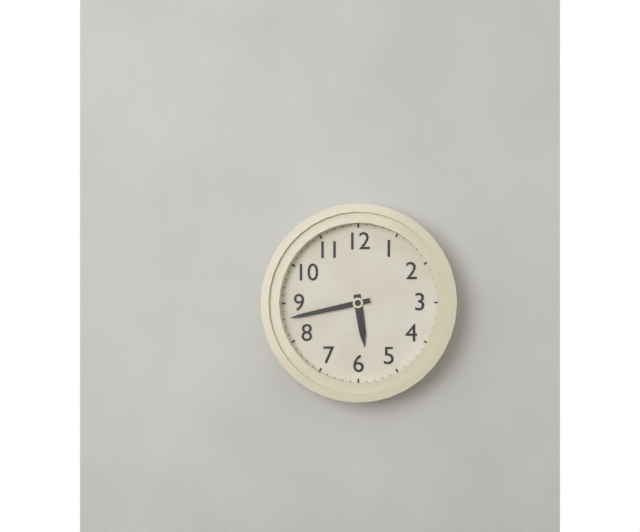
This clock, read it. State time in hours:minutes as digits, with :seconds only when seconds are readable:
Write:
5:43
